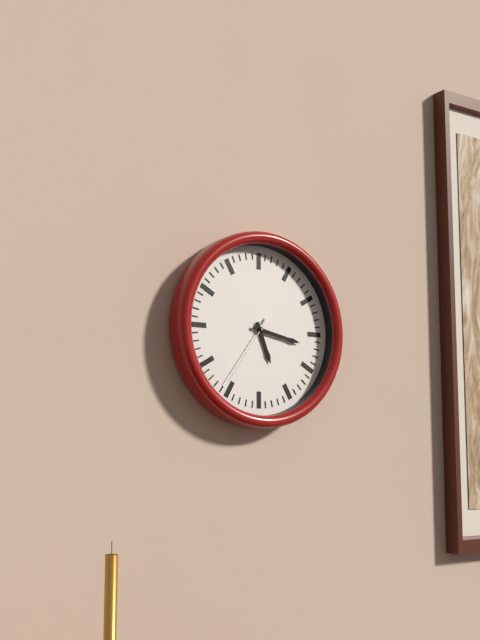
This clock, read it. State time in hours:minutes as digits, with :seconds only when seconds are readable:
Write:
5:17:36
